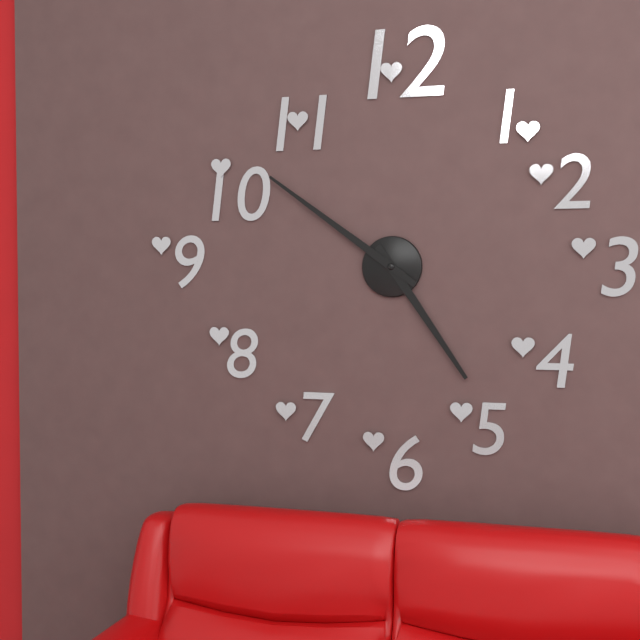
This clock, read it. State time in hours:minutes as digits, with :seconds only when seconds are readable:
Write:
4:51
